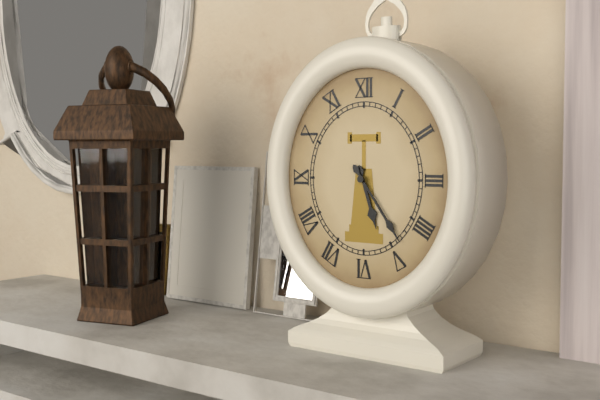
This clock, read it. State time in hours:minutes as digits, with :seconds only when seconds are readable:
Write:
5:24
